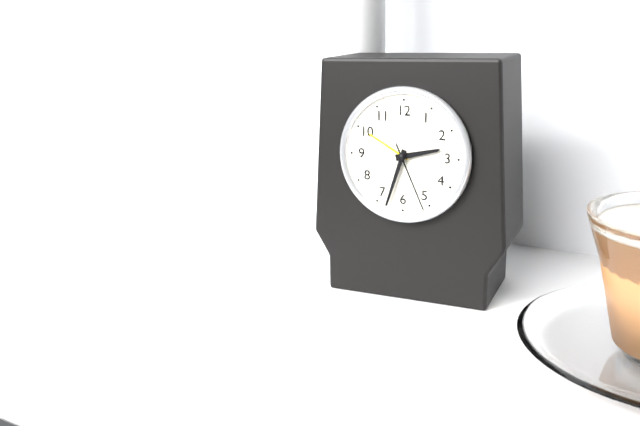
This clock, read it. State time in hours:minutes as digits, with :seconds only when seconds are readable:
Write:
2:33:26
